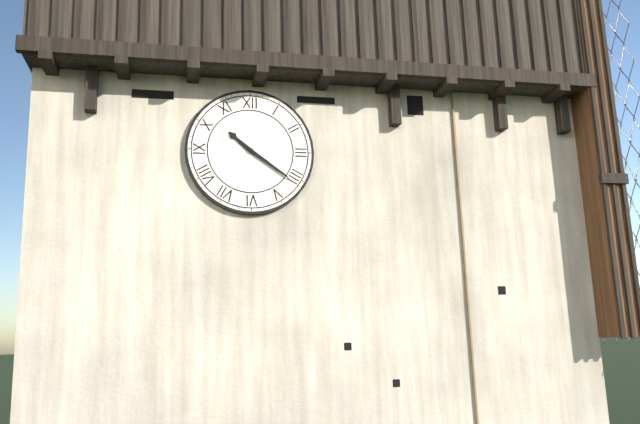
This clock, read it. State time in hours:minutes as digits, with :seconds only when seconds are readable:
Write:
10:21
